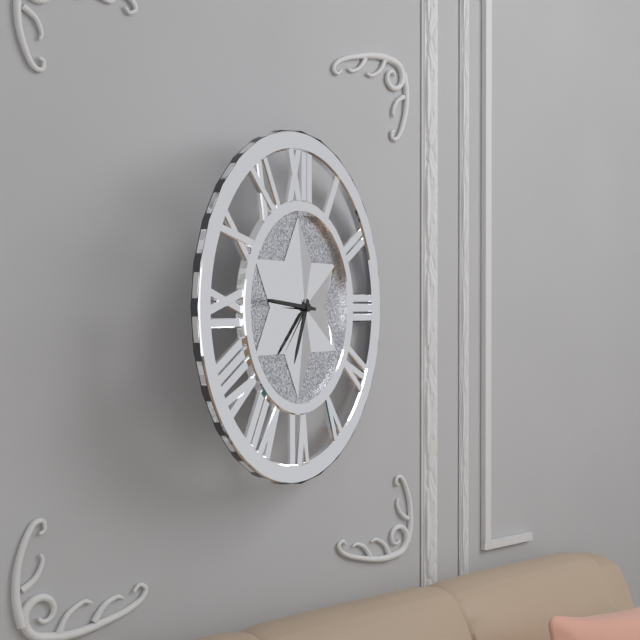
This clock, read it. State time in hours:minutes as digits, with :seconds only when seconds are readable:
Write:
6:46
